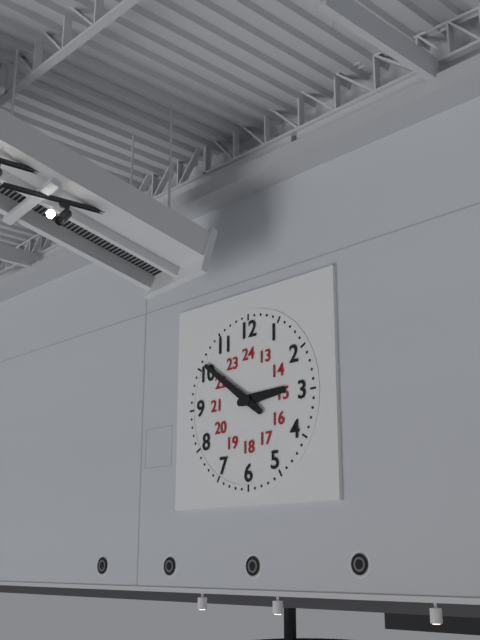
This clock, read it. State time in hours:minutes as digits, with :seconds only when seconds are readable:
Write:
2:51
